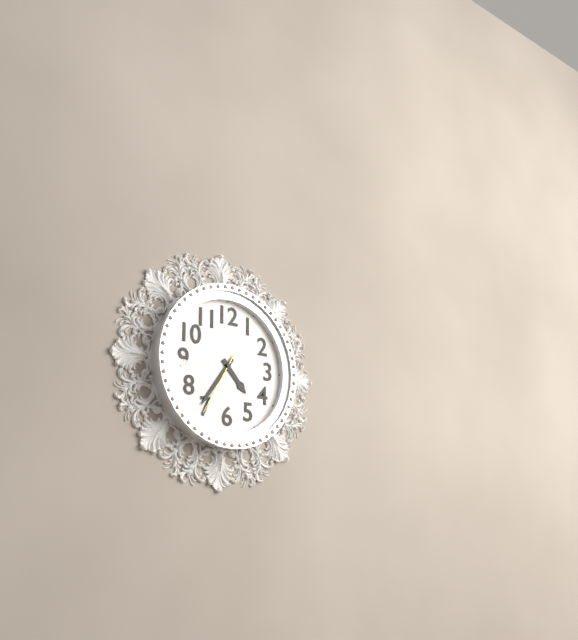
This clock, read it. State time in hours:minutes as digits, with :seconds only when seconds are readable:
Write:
4:36:35
